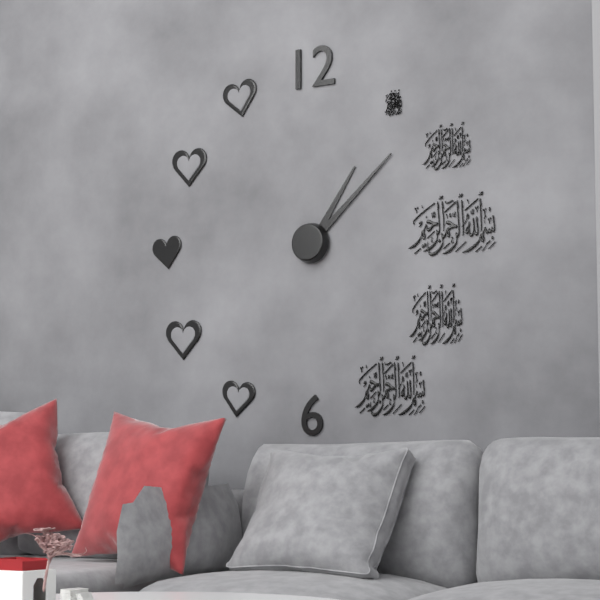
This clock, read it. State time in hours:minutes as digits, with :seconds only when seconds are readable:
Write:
1:08
